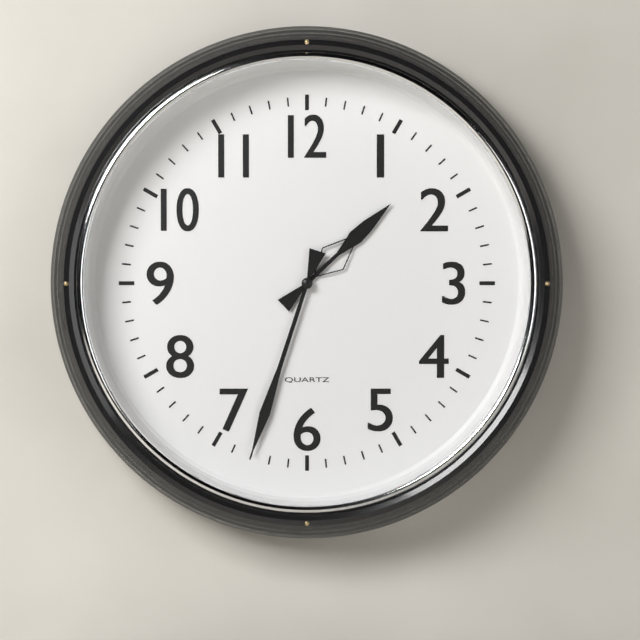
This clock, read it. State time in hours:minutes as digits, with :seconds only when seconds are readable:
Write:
1:33
